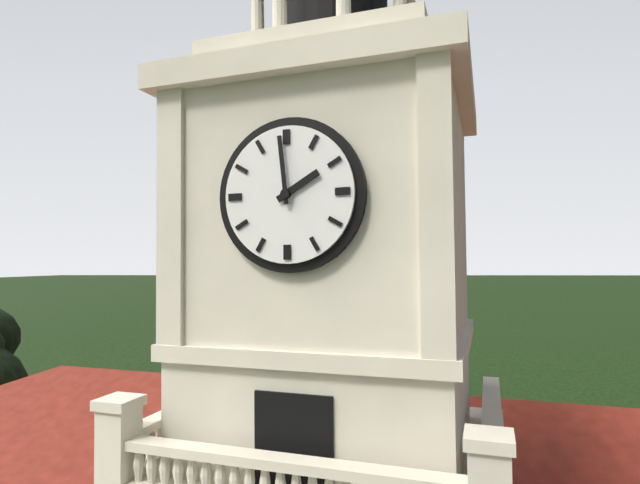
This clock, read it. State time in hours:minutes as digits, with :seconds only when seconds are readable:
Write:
1:59
